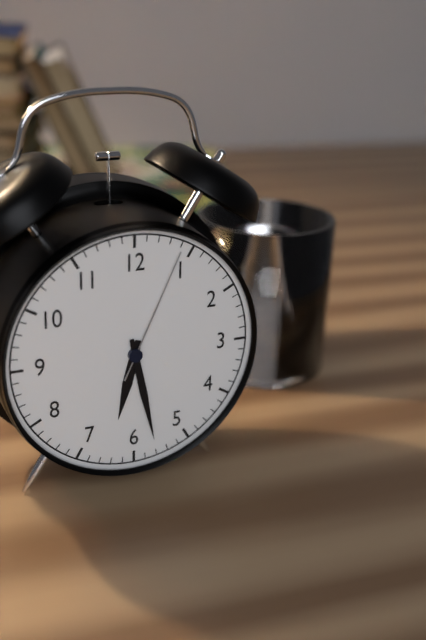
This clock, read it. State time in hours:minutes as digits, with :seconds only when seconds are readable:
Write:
6:28:04
